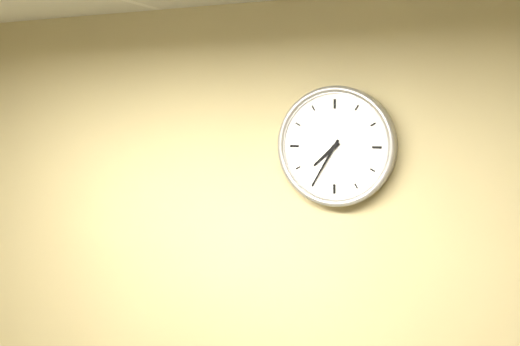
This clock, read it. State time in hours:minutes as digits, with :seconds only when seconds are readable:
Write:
7:35
